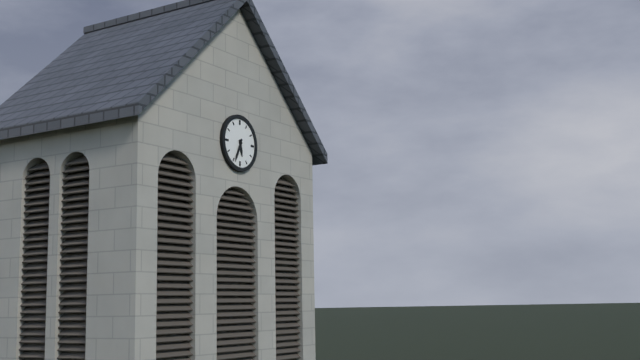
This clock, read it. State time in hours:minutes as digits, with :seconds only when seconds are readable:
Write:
5:34
